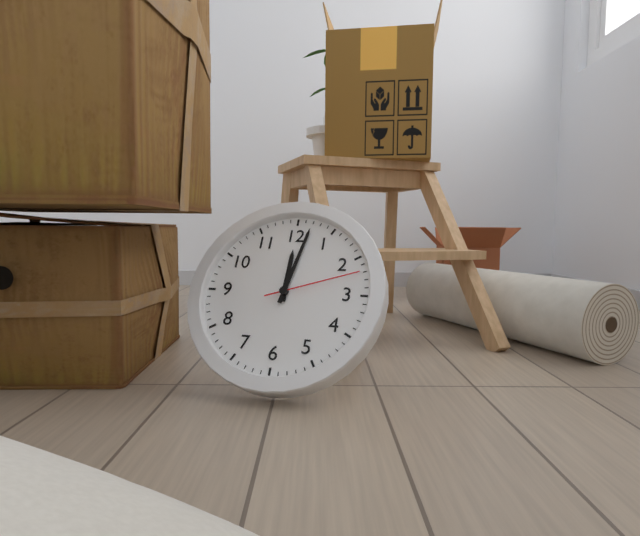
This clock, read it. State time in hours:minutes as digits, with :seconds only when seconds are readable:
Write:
12:02:12
